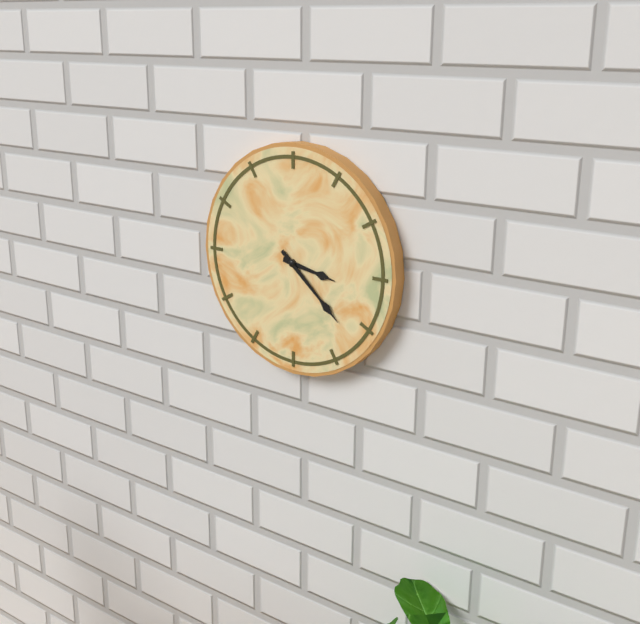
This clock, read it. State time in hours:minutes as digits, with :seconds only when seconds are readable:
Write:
3:22
